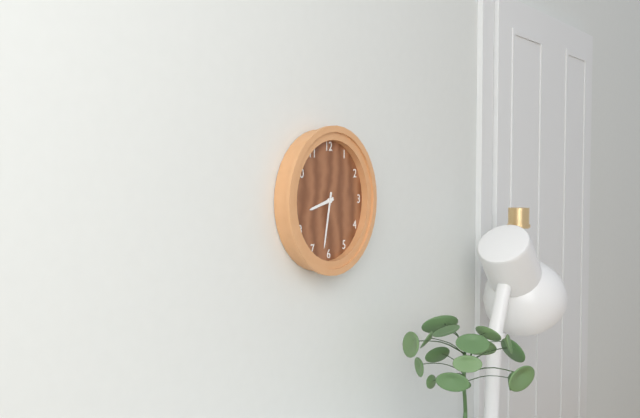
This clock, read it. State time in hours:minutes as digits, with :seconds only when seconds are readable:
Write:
8:32
